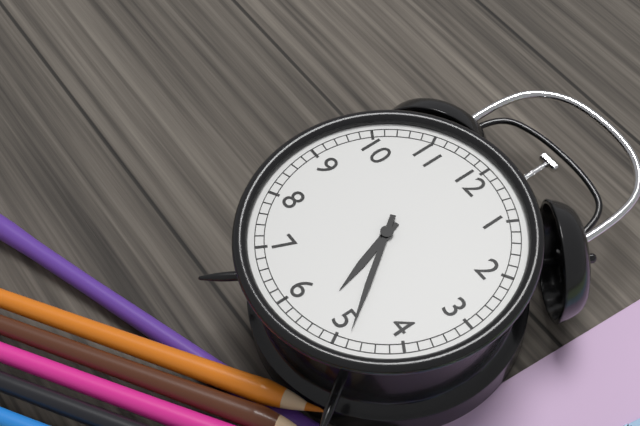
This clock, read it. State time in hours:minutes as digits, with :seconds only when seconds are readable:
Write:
5:24
